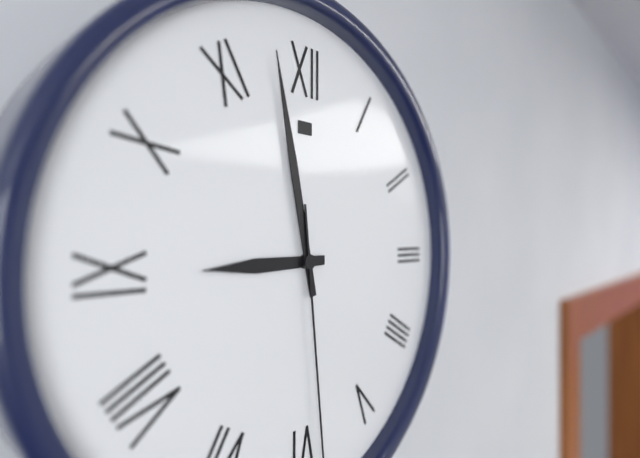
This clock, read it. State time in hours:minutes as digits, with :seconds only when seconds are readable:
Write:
8:58
